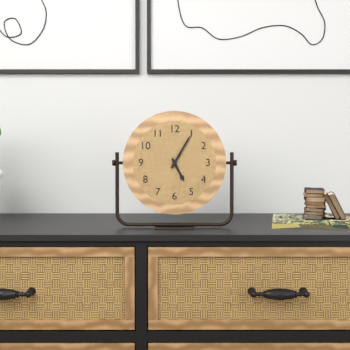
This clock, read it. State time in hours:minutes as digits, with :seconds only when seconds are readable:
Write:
5:05
